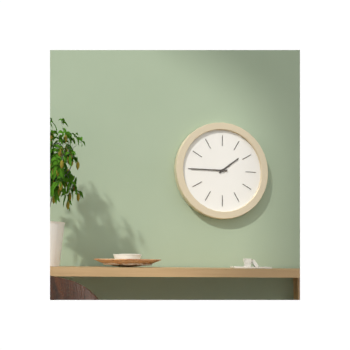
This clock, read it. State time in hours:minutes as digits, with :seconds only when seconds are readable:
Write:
1:45
